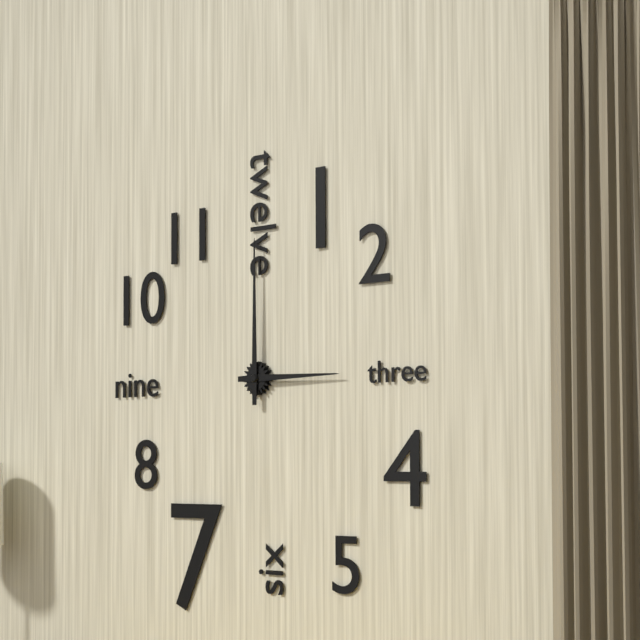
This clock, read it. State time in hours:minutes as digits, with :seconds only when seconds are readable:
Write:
3:00
